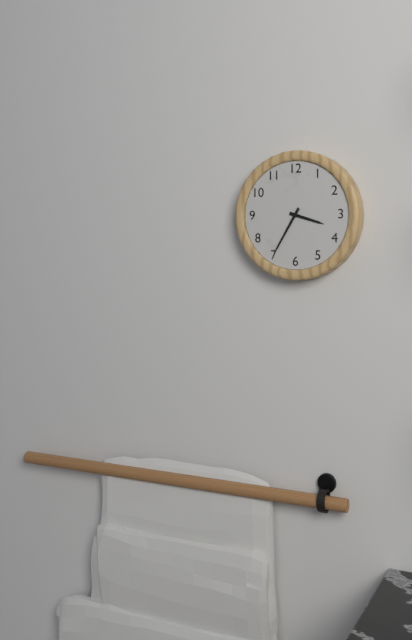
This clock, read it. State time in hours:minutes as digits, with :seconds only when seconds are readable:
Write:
3:35
